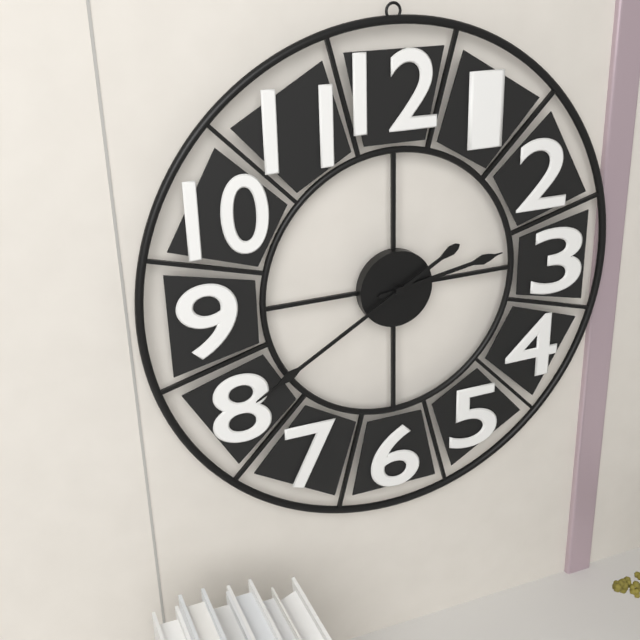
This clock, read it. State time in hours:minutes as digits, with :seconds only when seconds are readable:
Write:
2:40
